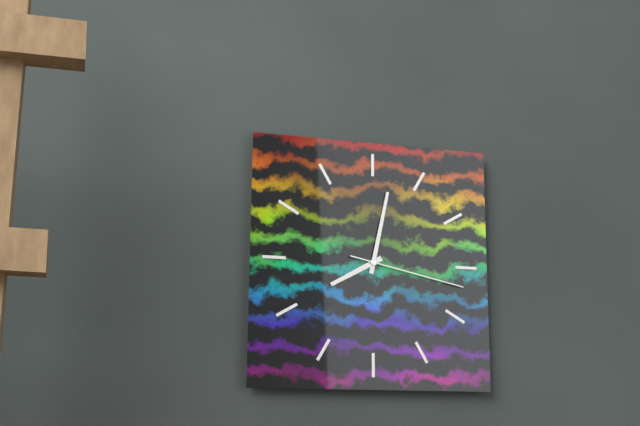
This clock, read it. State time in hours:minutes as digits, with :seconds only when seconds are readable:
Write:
8:02:17
